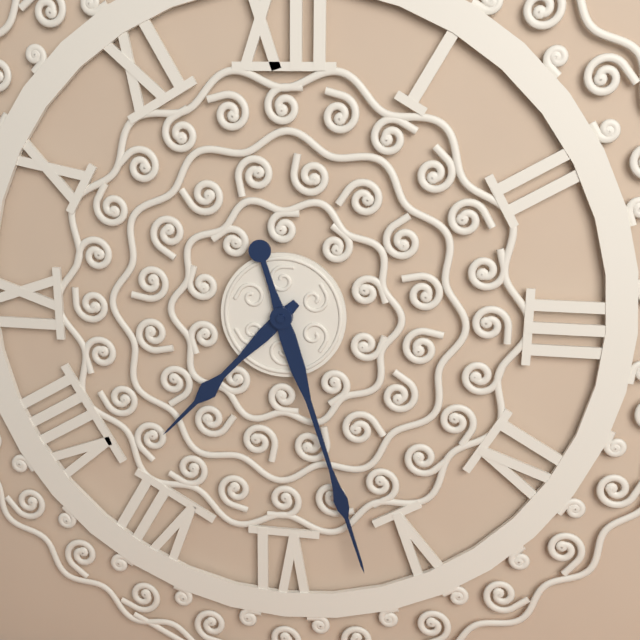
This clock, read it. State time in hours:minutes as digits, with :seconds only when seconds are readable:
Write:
7:27
